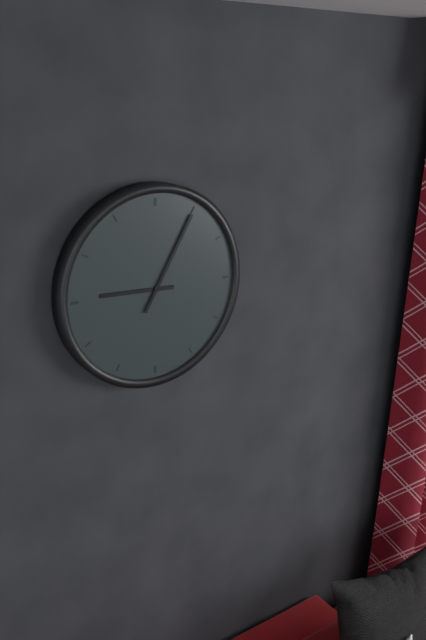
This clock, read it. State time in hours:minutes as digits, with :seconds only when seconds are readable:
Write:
9:05
